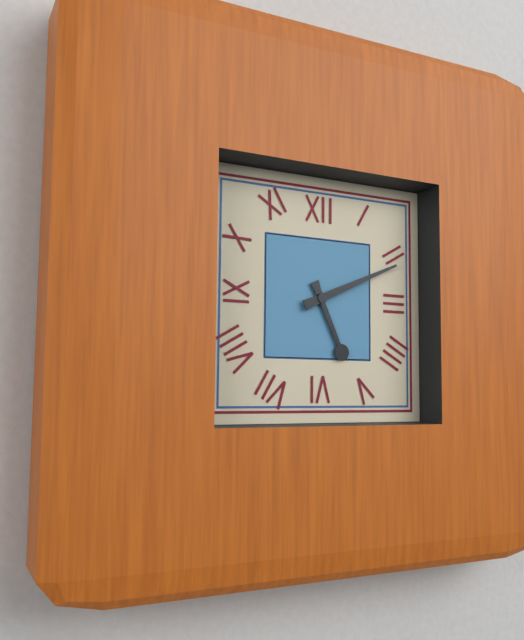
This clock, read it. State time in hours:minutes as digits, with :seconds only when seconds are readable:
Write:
5:11
